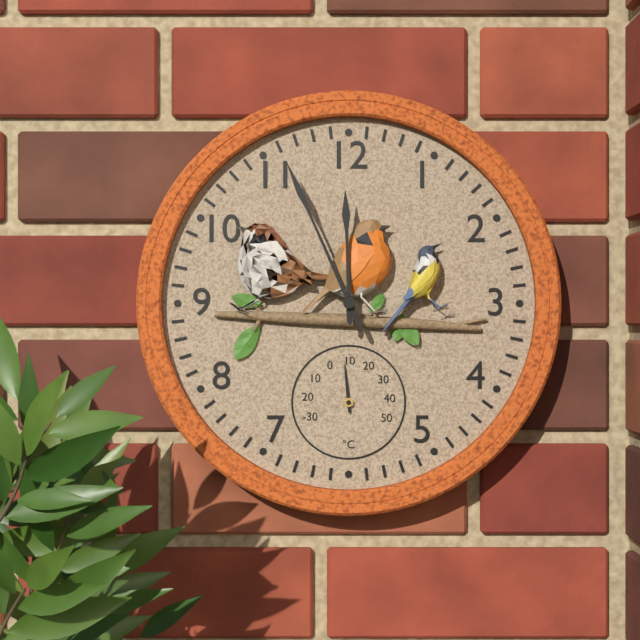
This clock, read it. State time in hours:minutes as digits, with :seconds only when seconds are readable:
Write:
11:56
